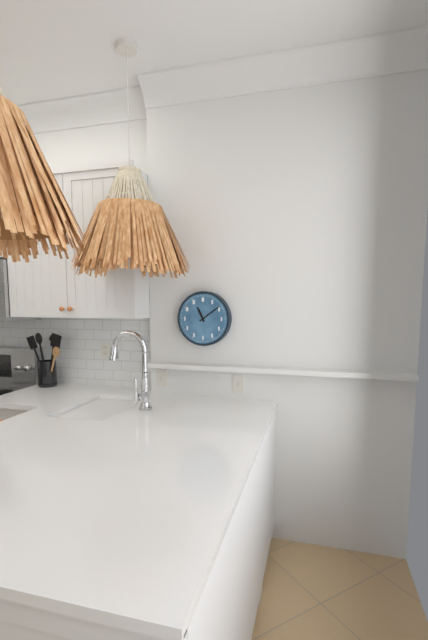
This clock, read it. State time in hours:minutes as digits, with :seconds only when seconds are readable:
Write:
11:09
